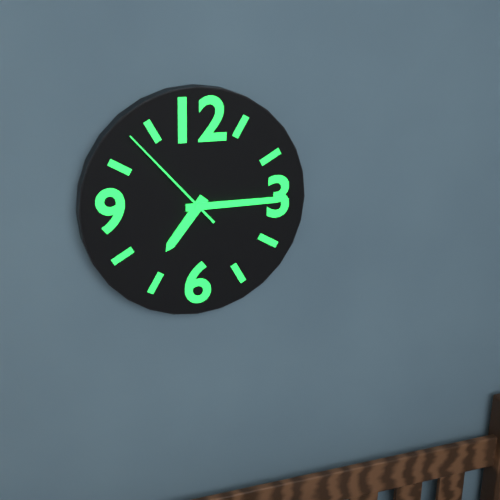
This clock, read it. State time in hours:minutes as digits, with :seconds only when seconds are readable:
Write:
7:15:53
